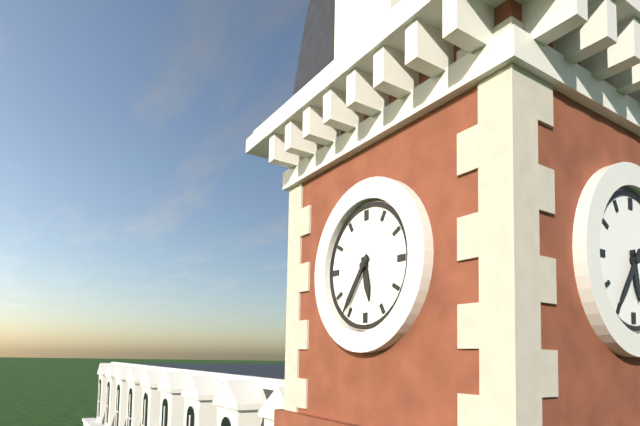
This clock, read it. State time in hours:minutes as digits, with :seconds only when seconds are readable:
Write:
5:36
